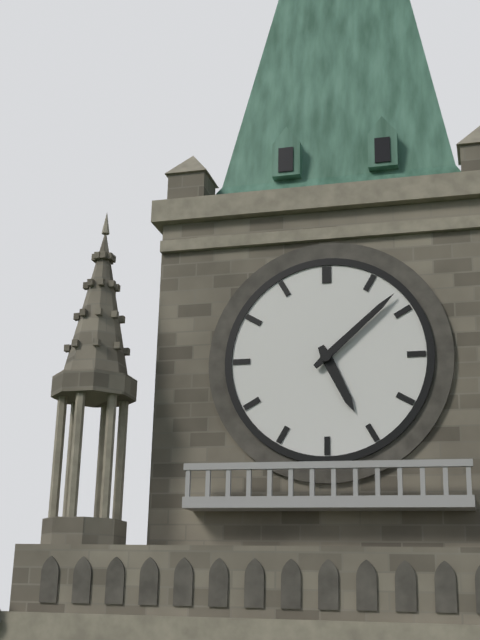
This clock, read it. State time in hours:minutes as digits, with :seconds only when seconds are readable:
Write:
5:08
